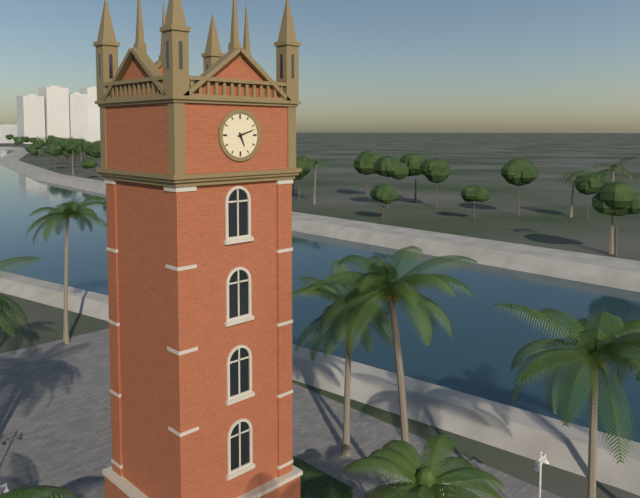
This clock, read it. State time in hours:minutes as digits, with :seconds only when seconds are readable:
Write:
5:12
